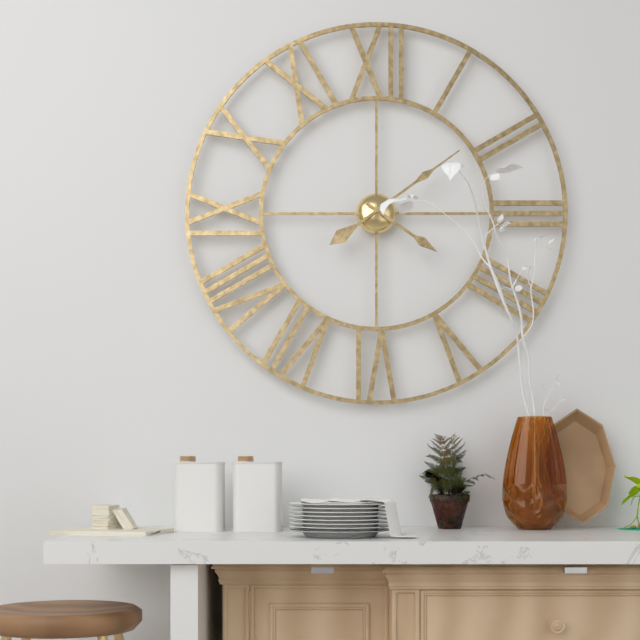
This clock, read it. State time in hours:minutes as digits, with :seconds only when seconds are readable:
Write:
4:09
